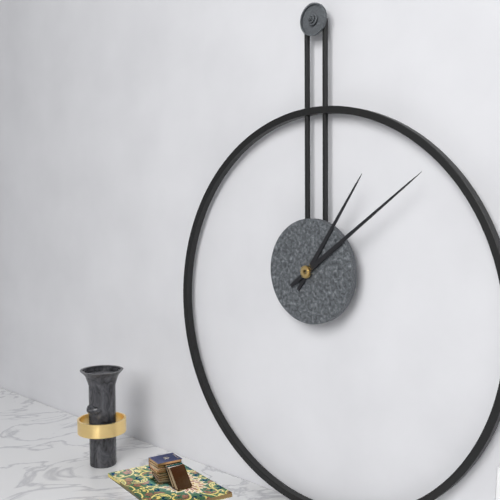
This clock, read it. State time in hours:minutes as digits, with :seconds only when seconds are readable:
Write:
1:09
